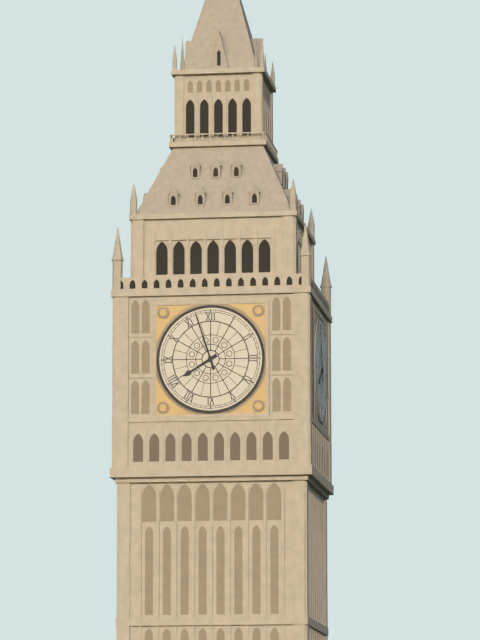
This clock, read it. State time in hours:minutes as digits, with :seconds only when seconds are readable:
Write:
7:57
